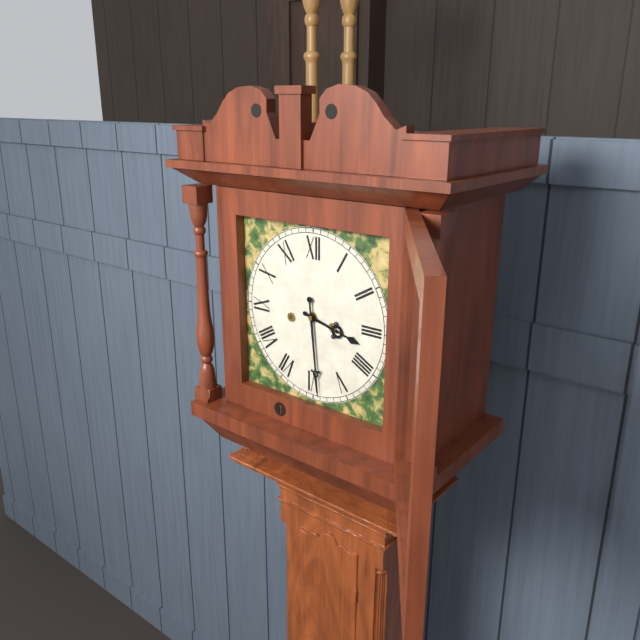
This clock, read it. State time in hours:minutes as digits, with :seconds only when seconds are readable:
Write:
3:29
